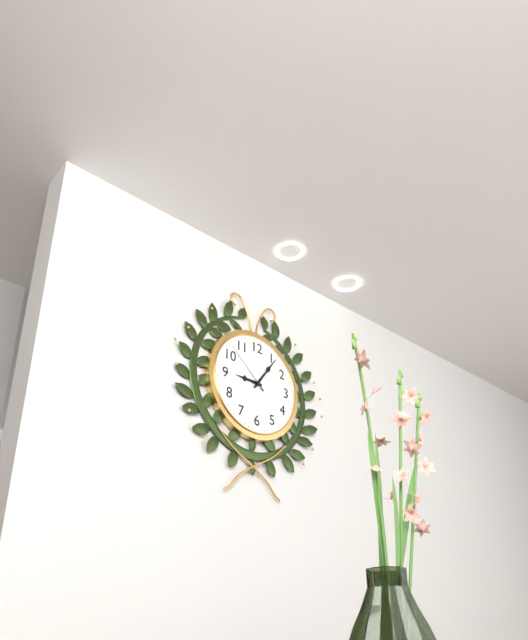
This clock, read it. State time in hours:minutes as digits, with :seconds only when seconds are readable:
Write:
9:06:52
